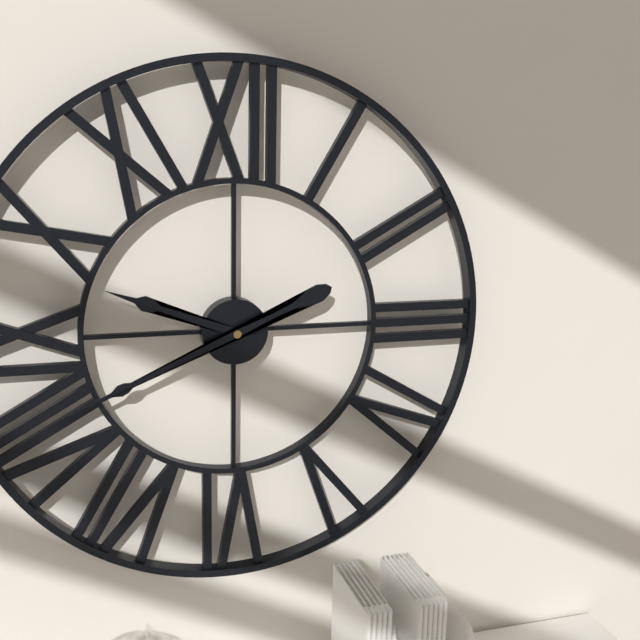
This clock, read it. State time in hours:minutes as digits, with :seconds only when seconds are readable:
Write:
9:41
